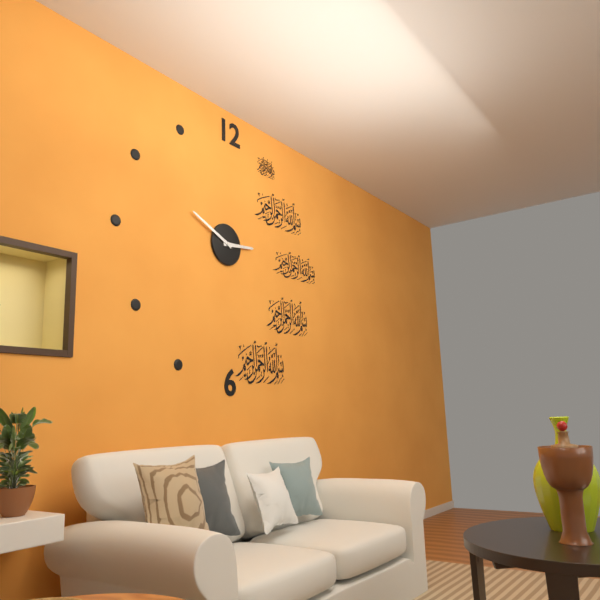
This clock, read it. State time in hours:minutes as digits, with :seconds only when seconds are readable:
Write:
2:49
